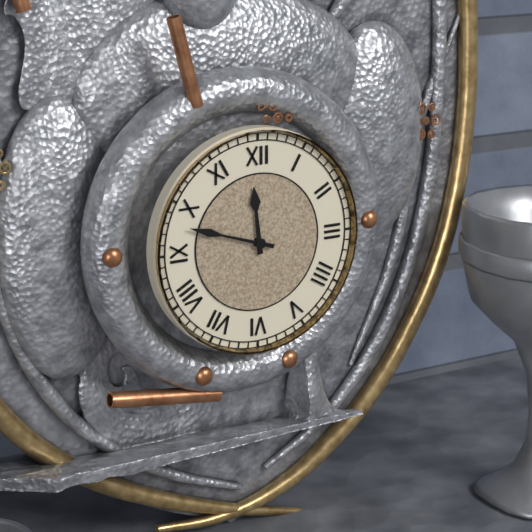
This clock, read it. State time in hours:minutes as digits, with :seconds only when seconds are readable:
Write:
11:48
